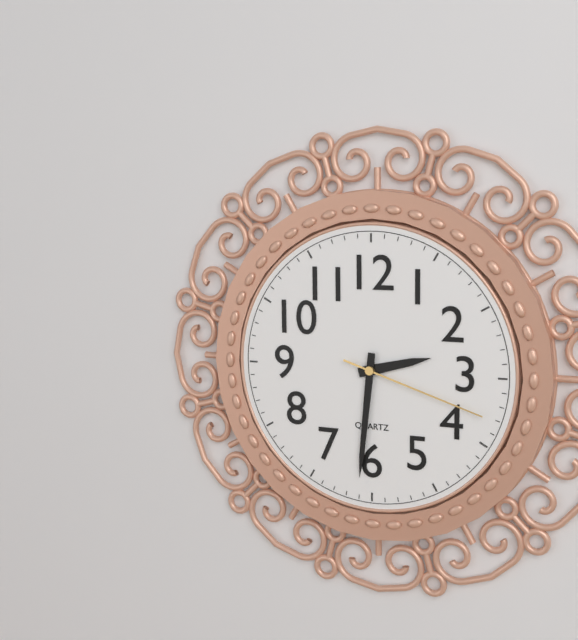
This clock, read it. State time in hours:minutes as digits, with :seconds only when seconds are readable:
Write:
2:31:18
